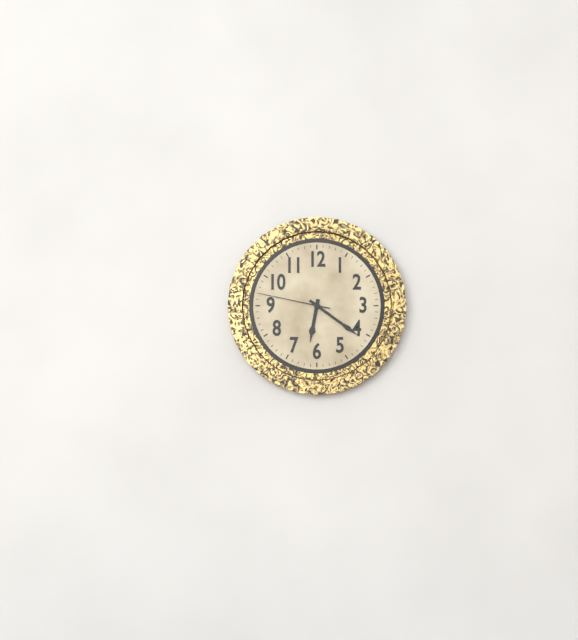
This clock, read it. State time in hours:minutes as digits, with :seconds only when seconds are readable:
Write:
6:21:47
